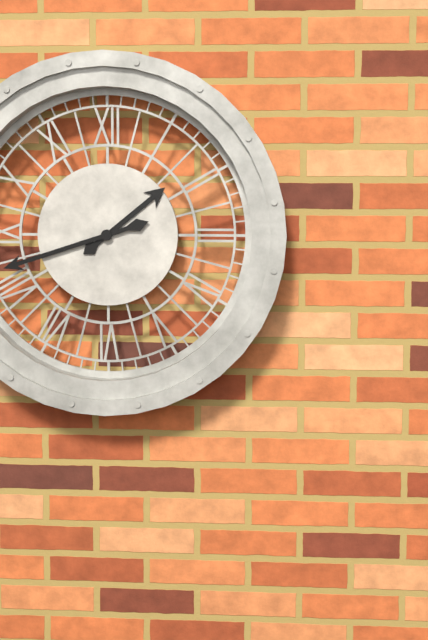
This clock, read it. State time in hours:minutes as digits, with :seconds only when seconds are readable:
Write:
1:42
